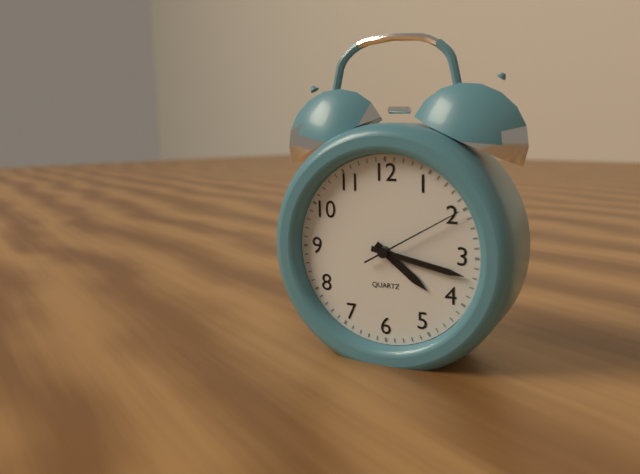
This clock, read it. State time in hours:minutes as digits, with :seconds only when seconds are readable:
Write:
4:17:10
